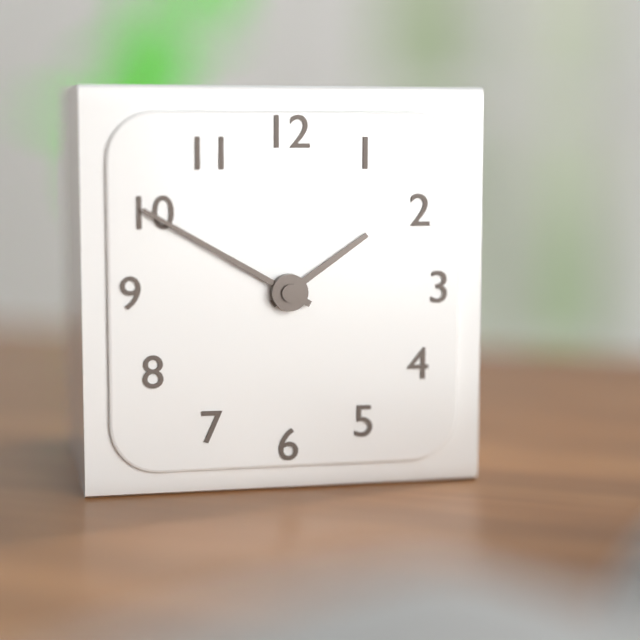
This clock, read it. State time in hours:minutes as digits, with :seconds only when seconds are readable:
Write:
1:50
